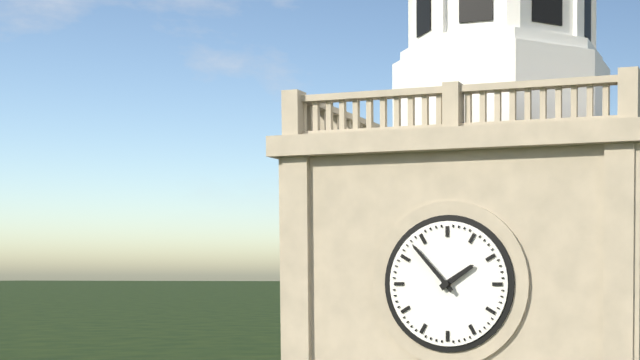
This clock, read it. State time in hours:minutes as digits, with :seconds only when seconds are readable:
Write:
1:53
